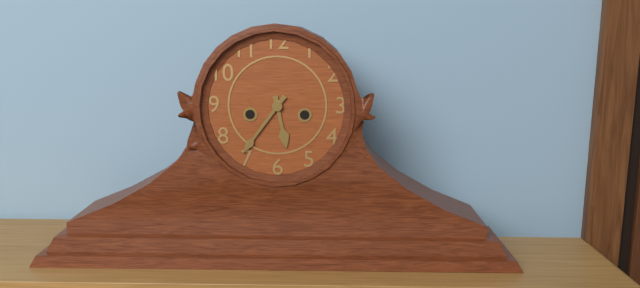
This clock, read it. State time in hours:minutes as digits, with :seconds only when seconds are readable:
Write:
5:36
